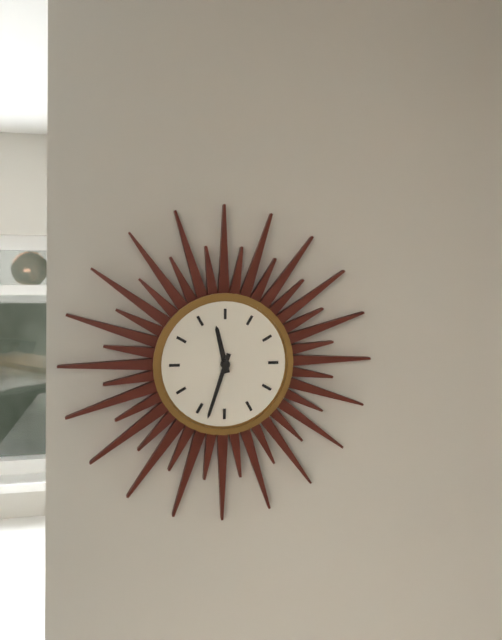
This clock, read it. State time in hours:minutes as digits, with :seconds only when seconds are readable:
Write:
11:33
